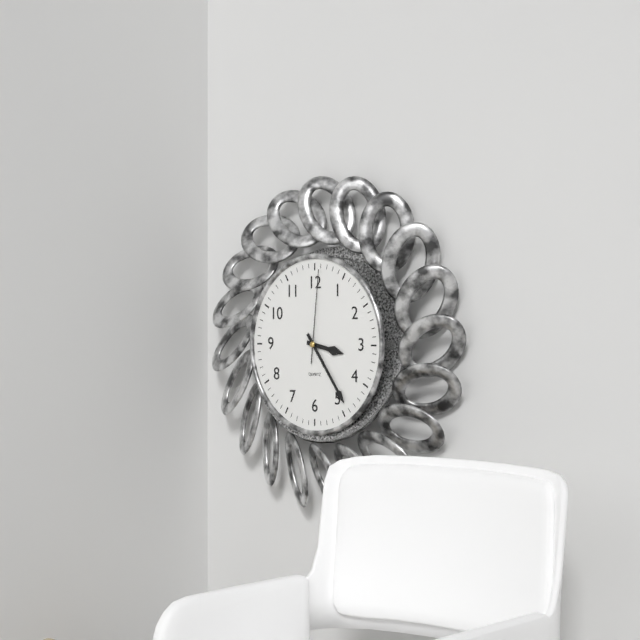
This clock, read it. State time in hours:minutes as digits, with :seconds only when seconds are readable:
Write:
3:24:01
